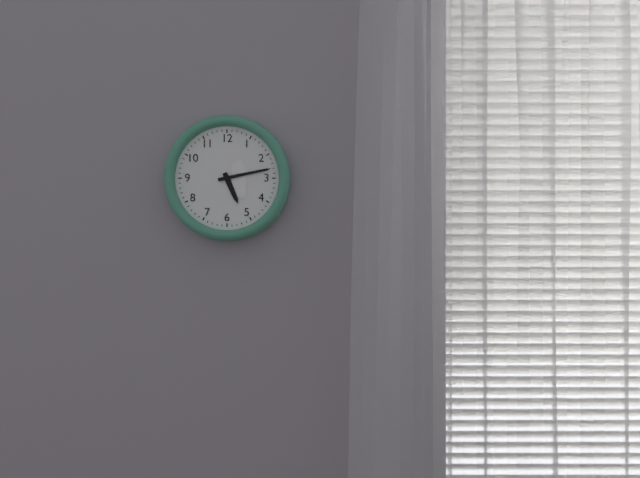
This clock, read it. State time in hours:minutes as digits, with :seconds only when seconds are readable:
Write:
5:13
